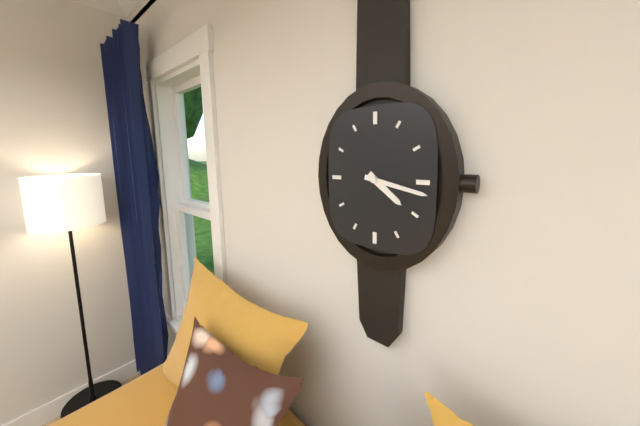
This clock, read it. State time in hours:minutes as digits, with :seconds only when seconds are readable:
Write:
4:17
